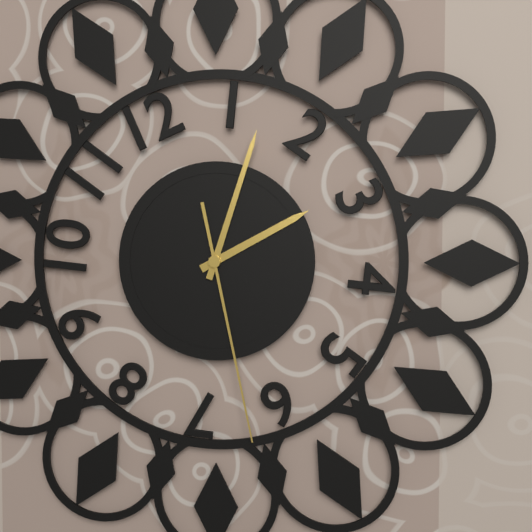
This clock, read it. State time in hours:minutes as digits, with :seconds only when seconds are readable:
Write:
2:03:28
